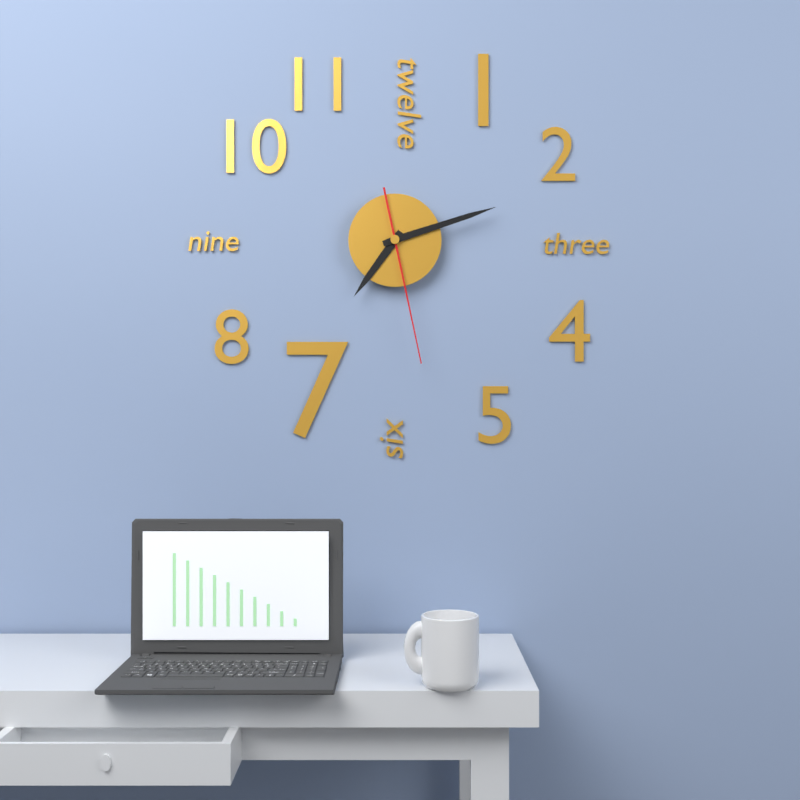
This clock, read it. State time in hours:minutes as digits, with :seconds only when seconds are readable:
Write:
7:12:28
